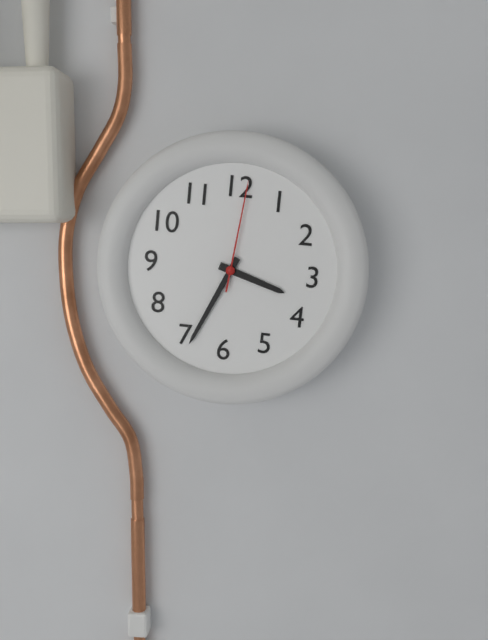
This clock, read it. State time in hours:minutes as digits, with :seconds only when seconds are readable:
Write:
3:34:01
